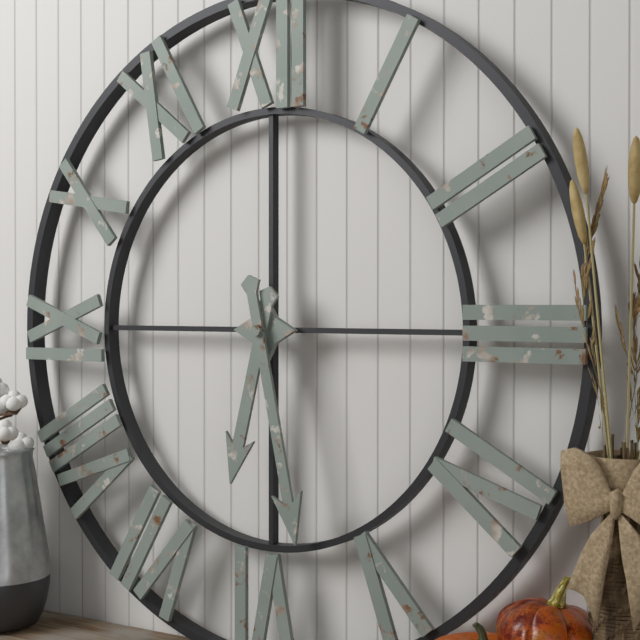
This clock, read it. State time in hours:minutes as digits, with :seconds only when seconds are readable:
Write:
6:28
